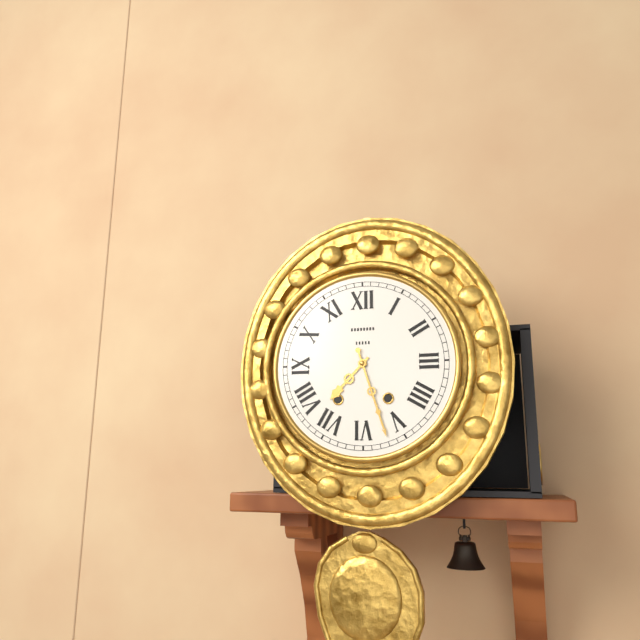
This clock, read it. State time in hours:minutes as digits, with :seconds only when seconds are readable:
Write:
7:27
